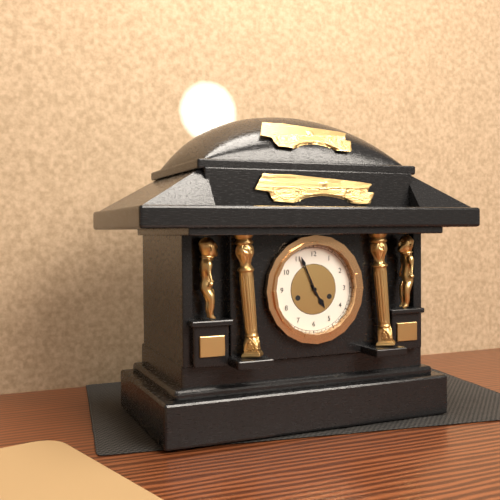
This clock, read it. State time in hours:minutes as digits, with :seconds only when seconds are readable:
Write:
4:56
